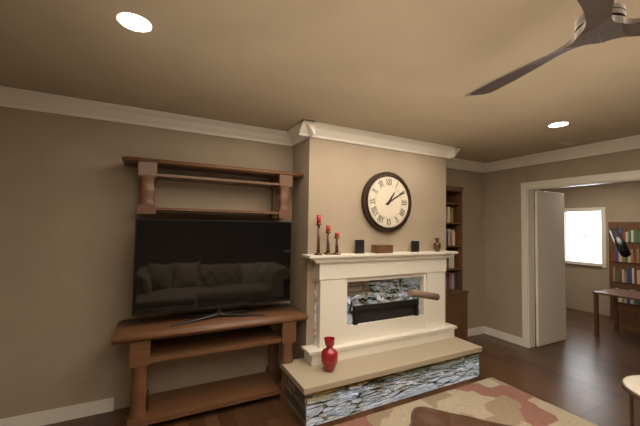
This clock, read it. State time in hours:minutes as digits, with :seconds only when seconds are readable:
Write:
1:10
